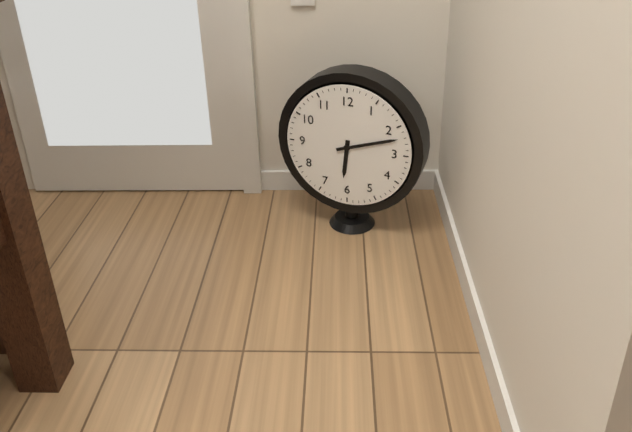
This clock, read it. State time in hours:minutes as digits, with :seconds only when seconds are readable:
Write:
6:12
